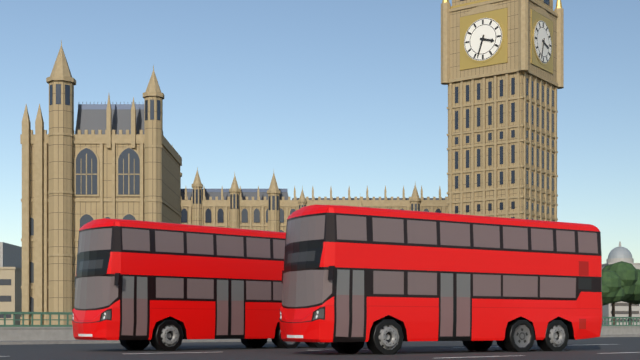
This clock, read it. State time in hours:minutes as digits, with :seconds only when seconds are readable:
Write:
3:33
